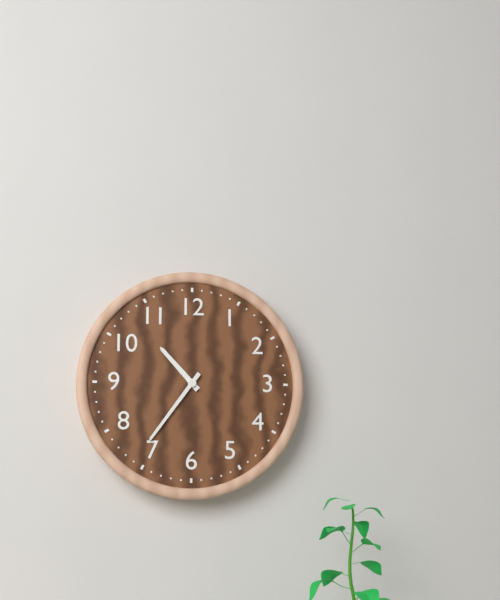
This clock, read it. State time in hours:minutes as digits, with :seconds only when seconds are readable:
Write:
10:36
